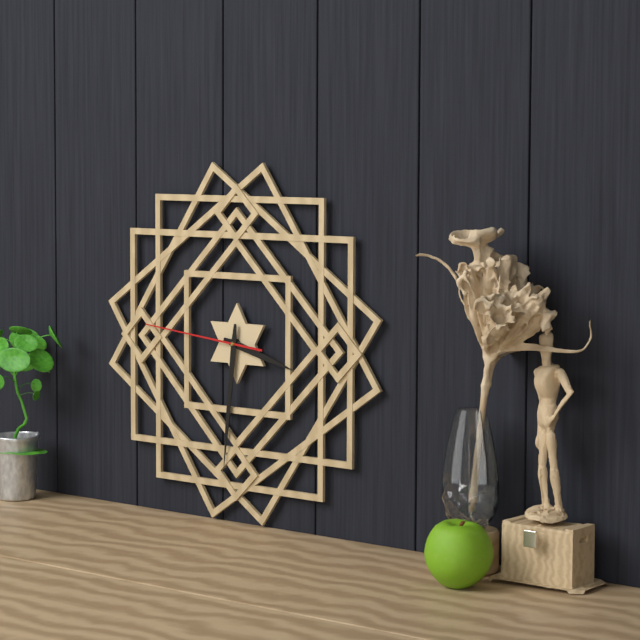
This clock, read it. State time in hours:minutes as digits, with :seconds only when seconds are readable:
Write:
3:31:46
